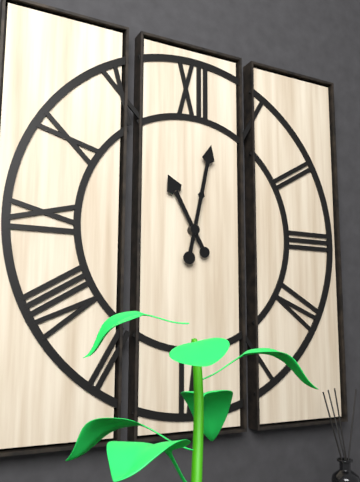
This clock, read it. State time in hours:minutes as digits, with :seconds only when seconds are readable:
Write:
11:02
